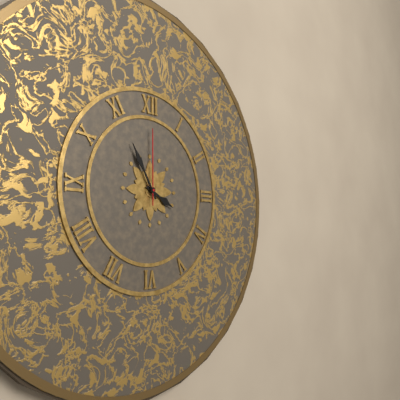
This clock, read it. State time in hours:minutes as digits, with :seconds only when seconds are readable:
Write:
3:55:00
